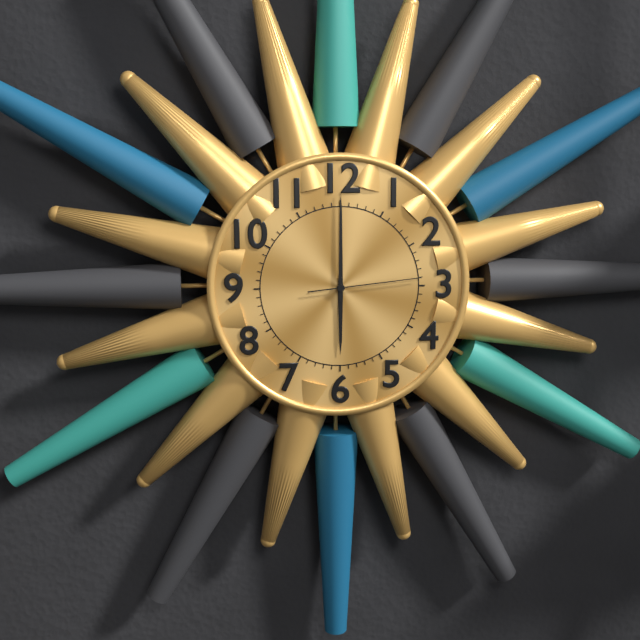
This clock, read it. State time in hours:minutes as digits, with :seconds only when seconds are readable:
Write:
6:00:14
